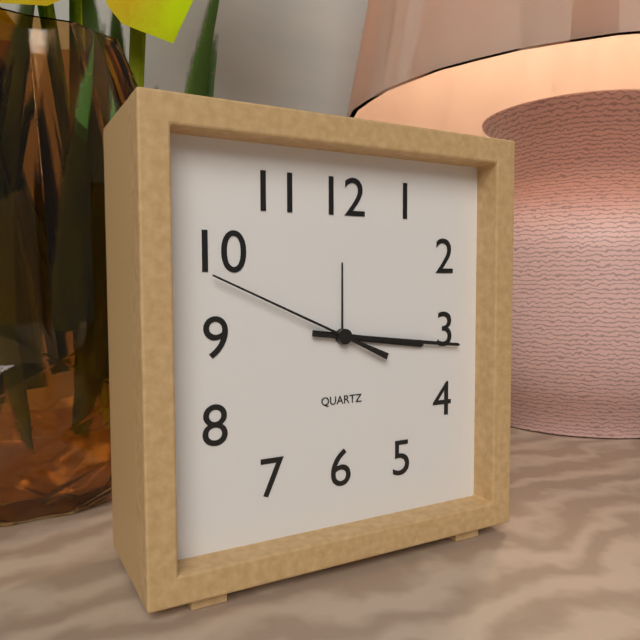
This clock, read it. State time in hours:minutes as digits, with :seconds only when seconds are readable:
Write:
3:16:49
